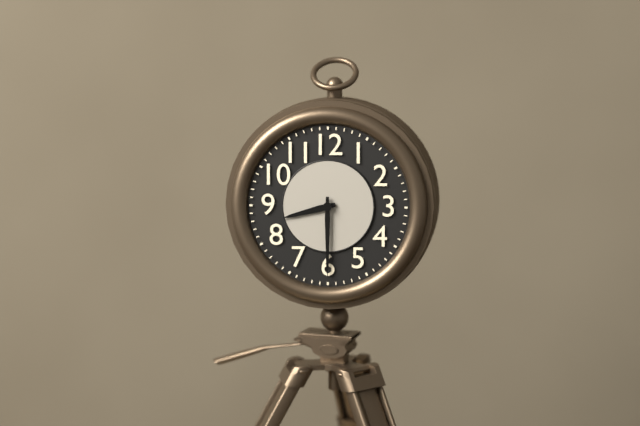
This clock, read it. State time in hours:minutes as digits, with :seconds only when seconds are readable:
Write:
8:30
